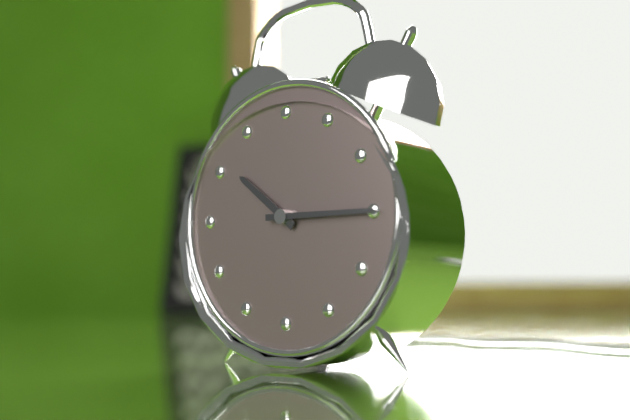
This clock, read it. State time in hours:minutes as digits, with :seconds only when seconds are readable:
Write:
10:15
